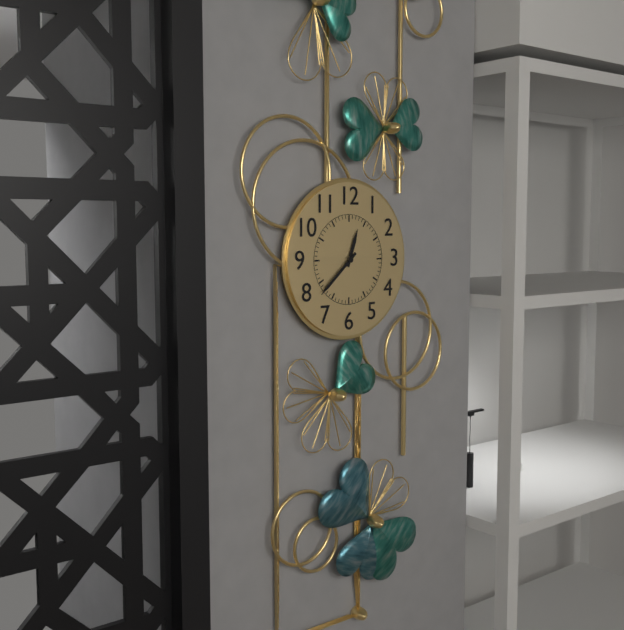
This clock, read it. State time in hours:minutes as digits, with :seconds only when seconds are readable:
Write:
12:38
